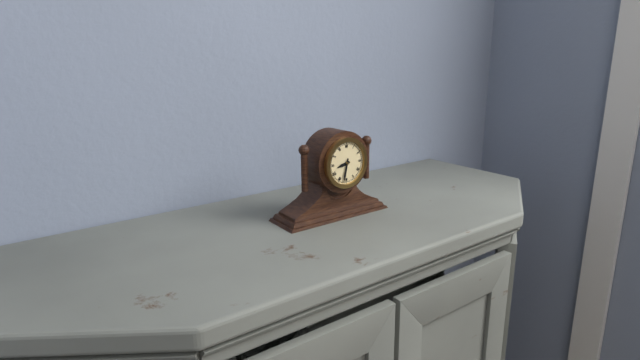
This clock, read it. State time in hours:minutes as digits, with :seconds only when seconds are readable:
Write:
8:32
